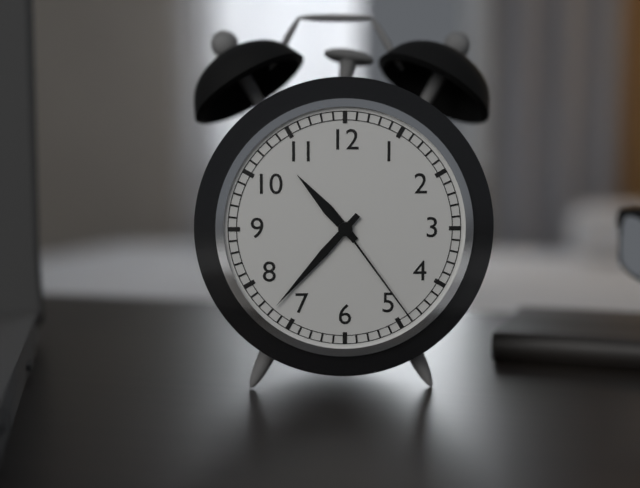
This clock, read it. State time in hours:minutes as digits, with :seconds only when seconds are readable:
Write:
10:37:24
